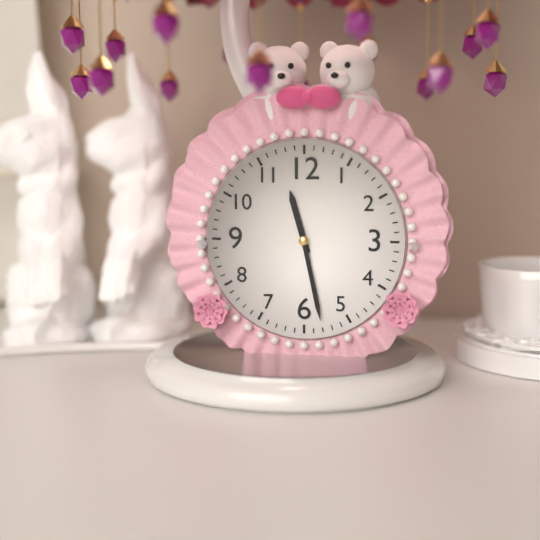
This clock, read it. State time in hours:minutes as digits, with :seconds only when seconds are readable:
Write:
11:28
